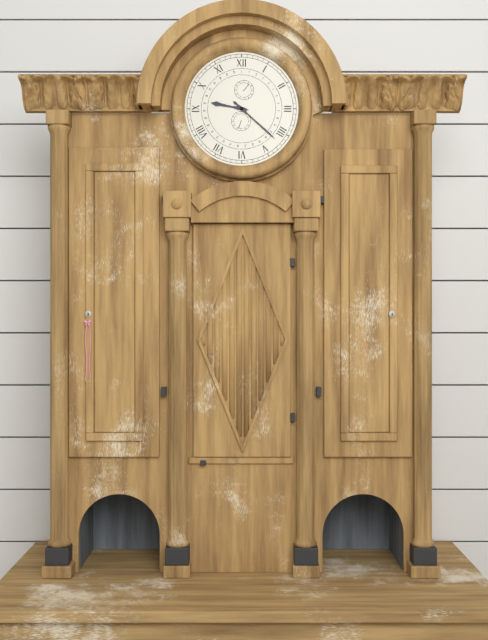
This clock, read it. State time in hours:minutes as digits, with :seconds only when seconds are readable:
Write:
9:22
